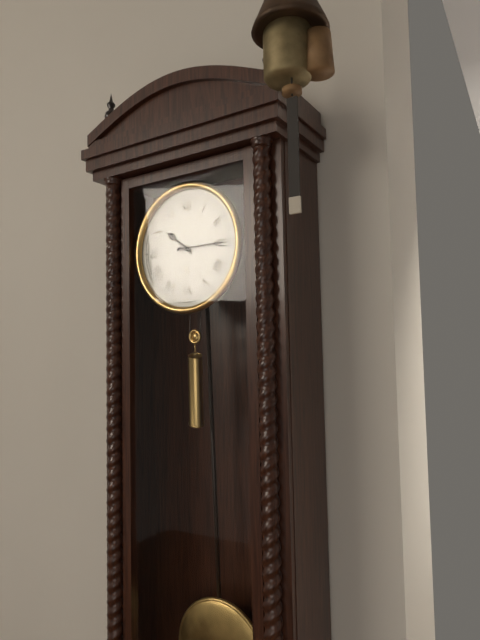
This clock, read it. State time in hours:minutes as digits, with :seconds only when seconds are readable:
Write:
10:15
